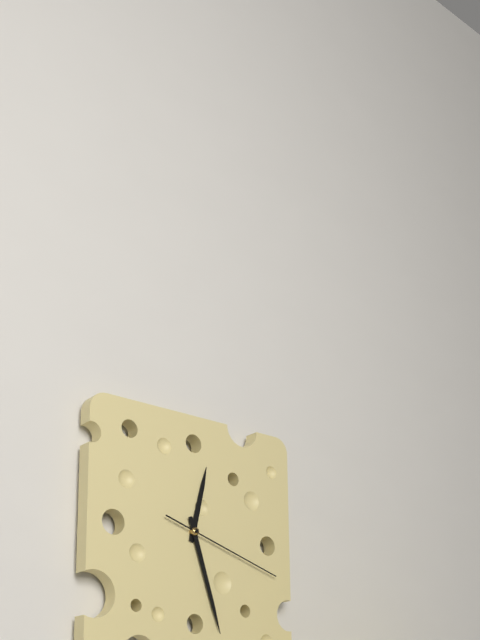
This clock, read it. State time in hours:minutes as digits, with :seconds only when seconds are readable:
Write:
12:27:18
